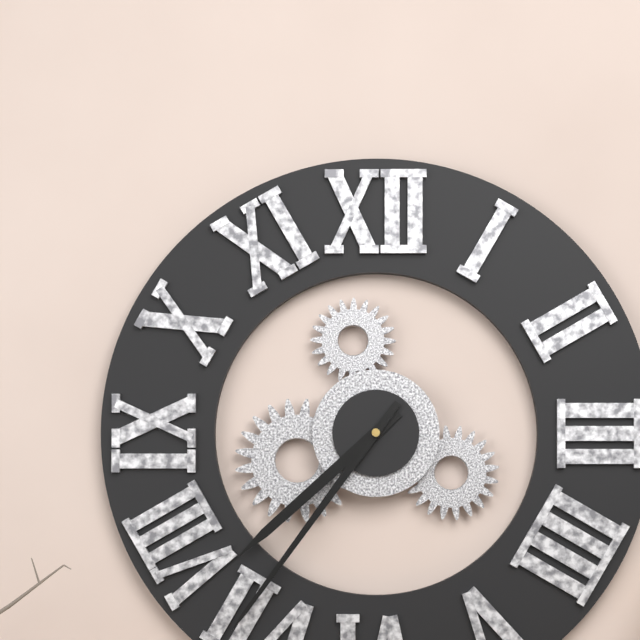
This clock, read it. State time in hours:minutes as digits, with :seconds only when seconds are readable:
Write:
7:36
